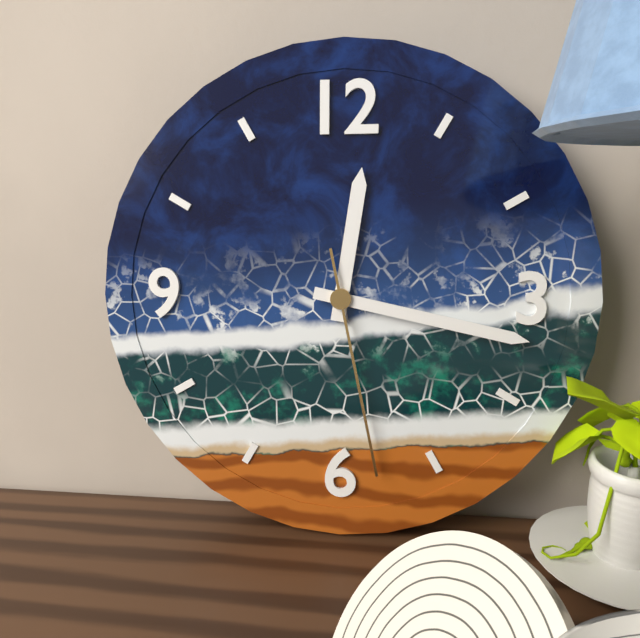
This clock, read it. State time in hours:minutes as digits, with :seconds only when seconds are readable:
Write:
12:17:28
